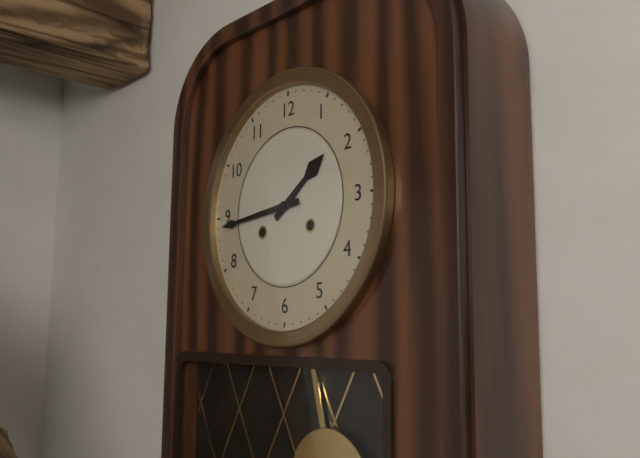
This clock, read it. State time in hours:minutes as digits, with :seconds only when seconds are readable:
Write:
1:44
